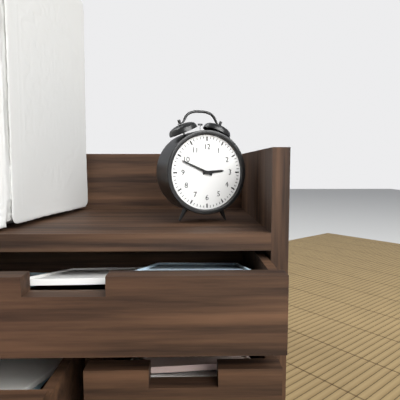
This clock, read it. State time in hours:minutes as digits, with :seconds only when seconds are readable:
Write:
2:49
